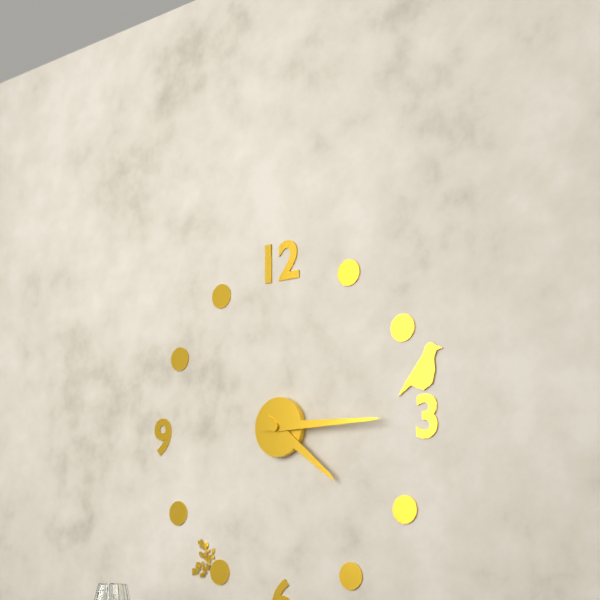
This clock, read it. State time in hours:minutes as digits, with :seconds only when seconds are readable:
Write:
4:15
